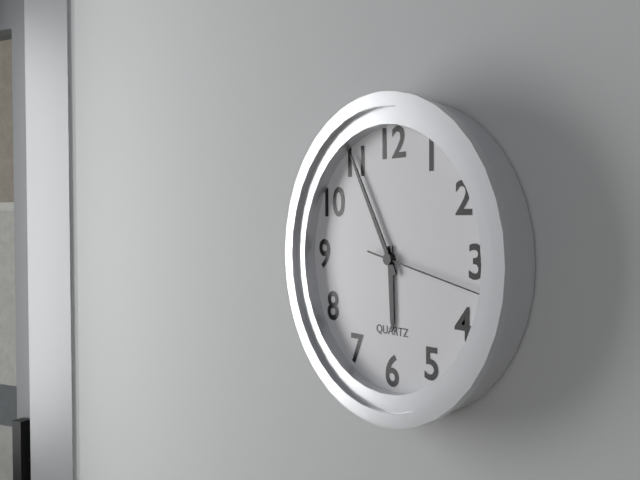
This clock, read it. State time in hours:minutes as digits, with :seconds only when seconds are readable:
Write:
5:55:17
